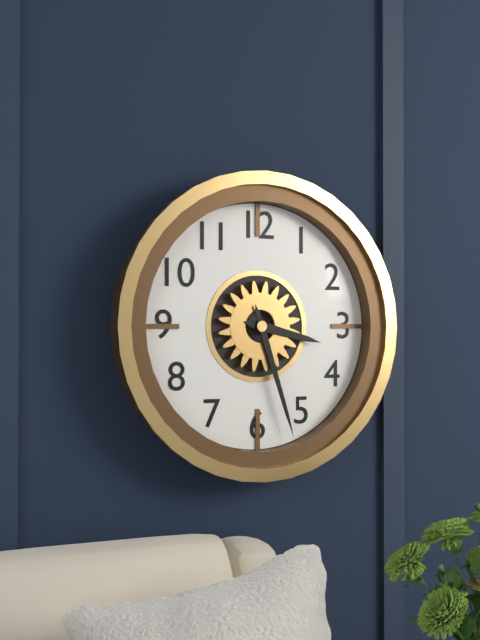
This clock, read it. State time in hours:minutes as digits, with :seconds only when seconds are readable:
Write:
3:27
